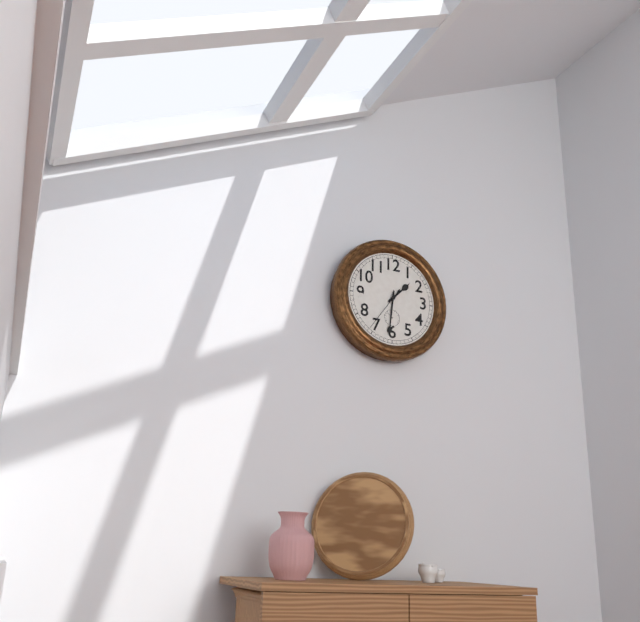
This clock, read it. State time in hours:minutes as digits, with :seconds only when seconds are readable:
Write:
1:31
